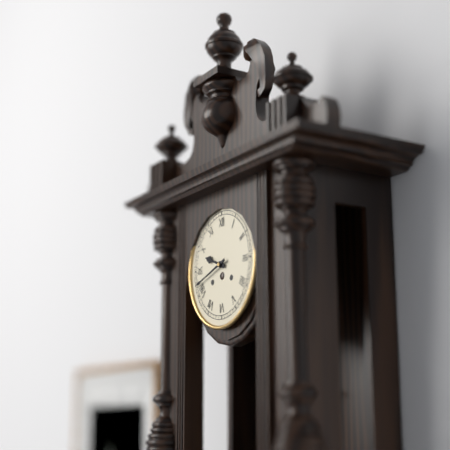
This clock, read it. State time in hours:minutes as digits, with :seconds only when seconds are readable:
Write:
9:42
